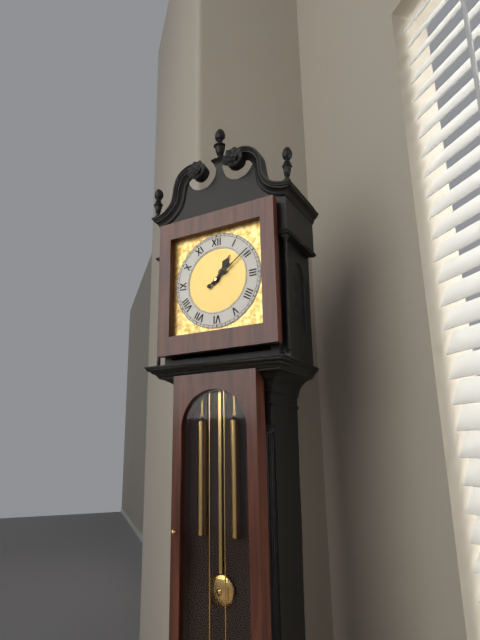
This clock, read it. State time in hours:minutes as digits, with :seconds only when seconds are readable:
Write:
1:09
